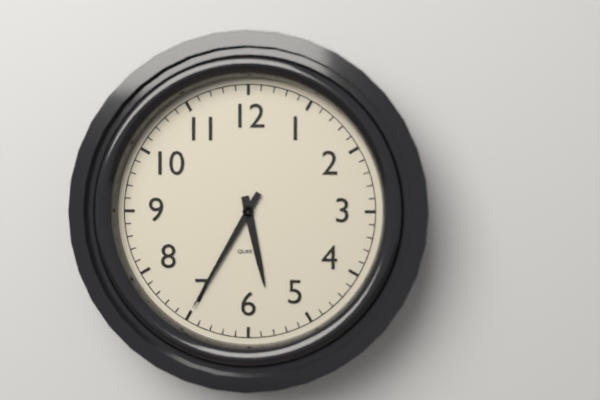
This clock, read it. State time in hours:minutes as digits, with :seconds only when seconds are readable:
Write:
5:35
